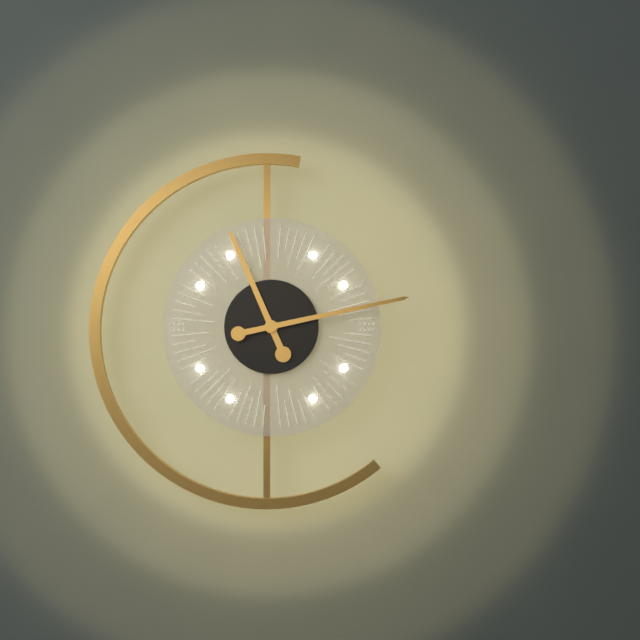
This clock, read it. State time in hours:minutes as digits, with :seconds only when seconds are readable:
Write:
11:13
